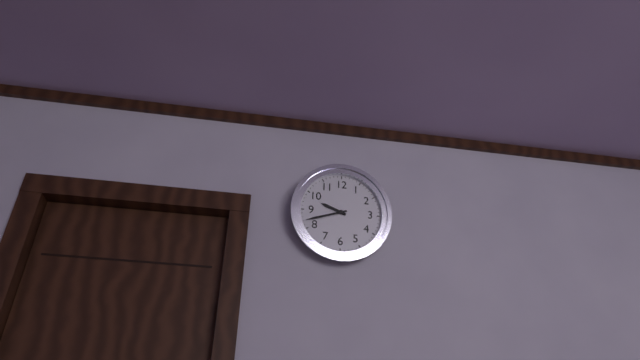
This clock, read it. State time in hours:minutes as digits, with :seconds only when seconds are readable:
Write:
9:42
